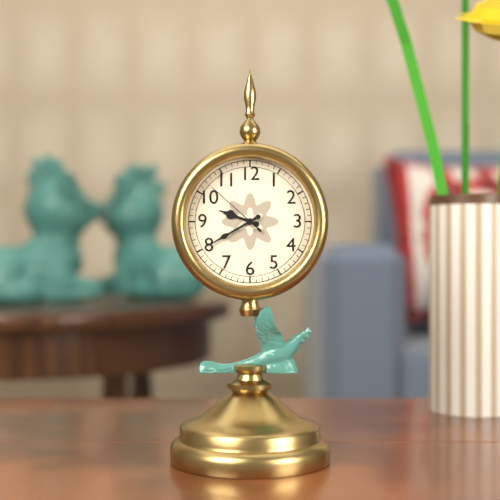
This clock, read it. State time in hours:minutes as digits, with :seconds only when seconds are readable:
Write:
9:40:52
